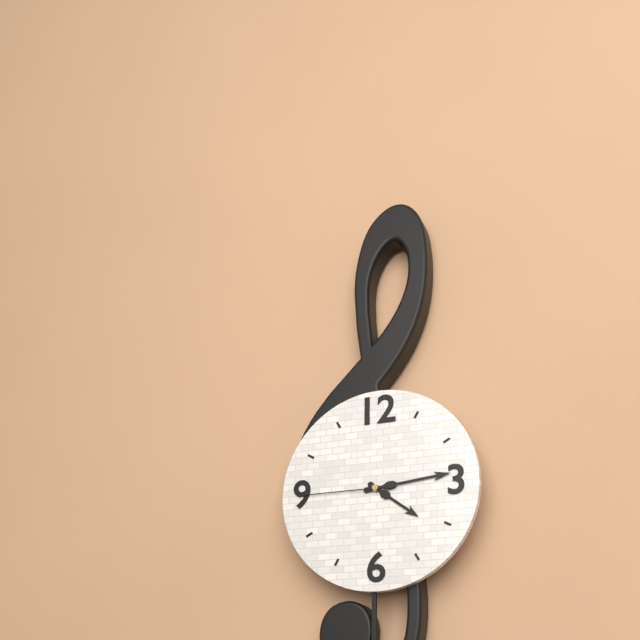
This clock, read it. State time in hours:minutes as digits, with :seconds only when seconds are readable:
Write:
4:14:45
